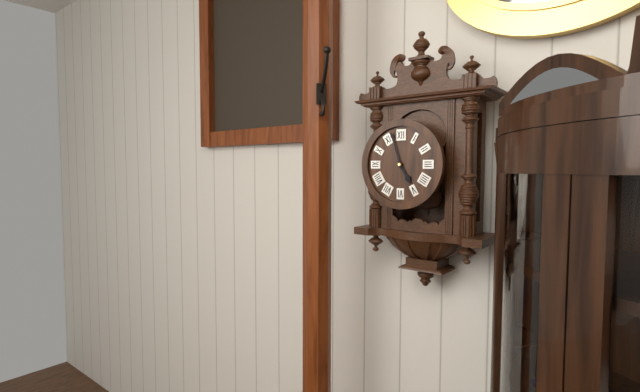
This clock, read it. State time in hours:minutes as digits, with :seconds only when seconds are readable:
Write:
4:57
